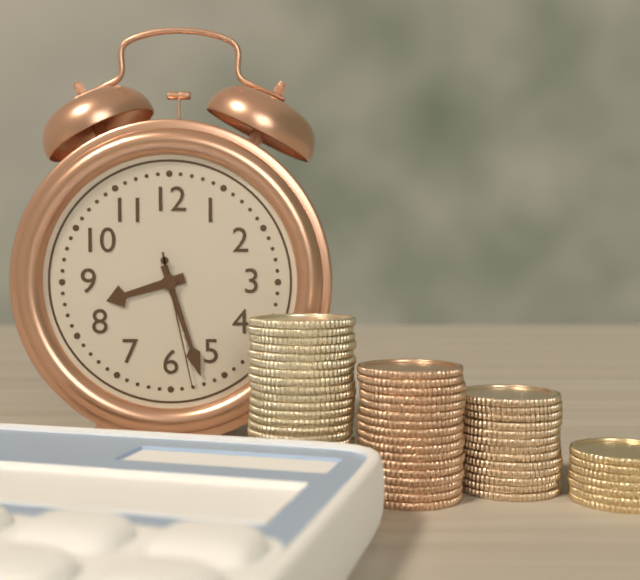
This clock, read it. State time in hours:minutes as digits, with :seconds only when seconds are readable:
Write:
8:27:28
